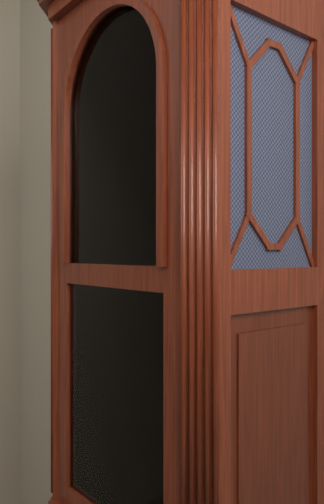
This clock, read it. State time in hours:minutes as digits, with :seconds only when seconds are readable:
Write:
3:21
